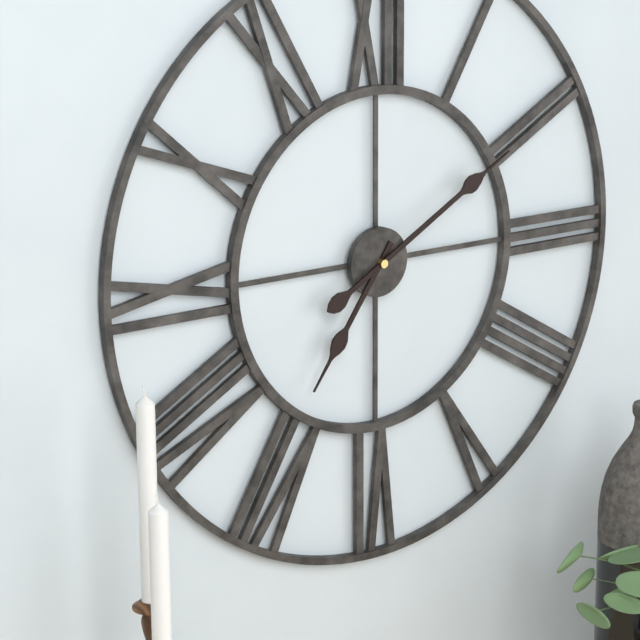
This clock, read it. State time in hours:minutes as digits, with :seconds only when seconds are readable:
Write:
7:10
